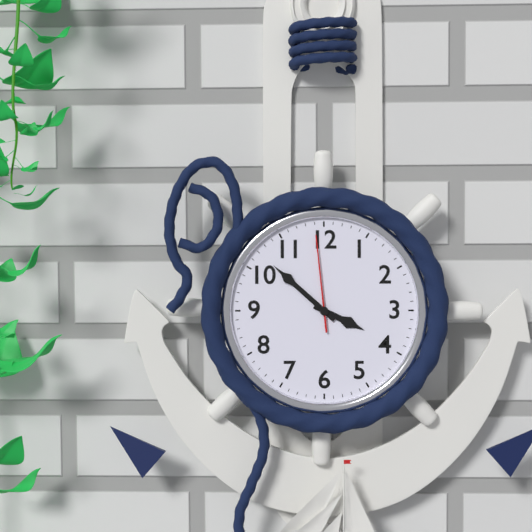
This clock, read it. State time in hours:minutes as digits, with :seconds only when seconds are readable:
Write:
3:52:59
